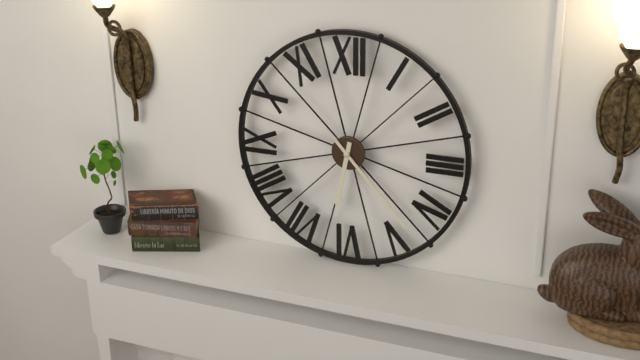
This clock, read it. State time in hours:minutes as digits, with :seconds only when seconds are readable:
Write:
6:23
